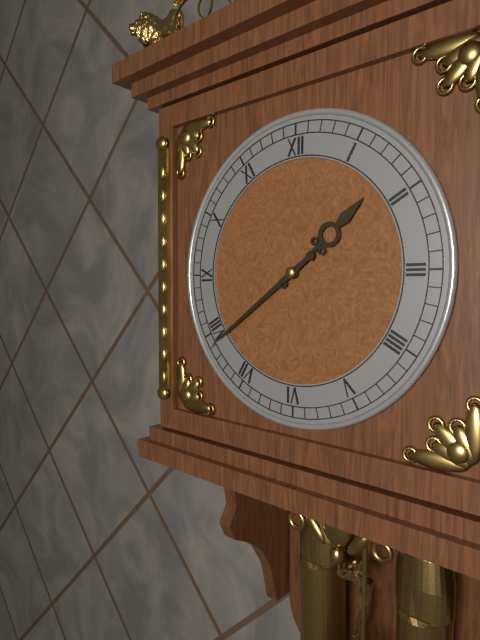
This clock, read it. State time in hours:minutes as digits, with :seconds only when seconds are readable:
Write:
1:39
